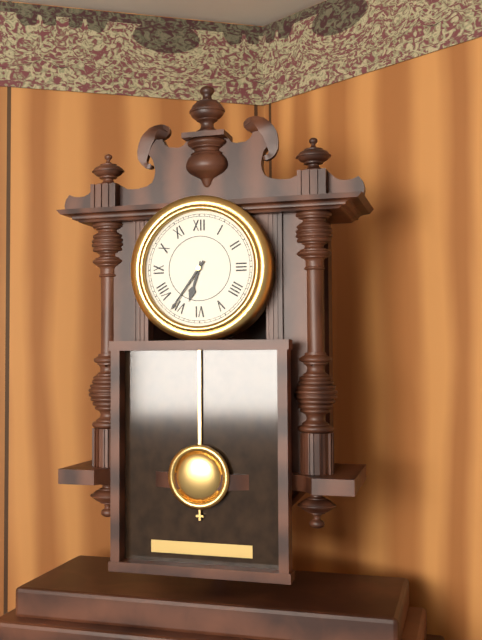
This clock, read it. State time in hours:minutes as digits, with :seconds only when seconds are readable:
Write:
6:36
